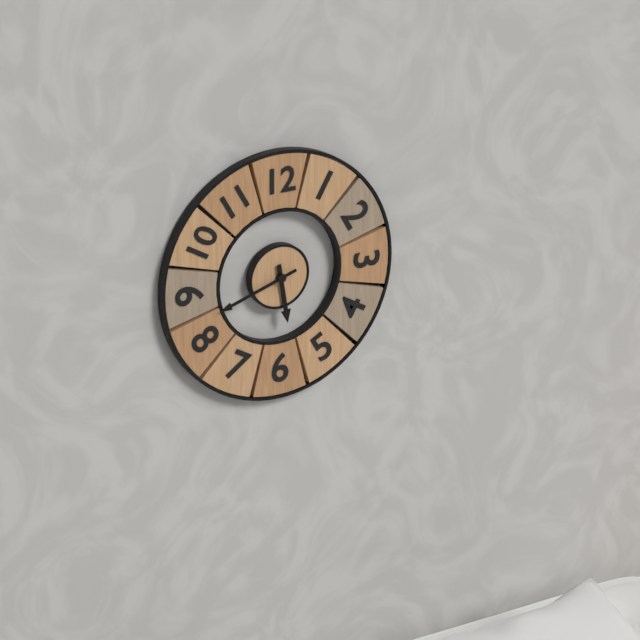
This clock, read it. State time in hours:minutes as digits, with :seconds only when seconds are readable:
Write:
5:42
